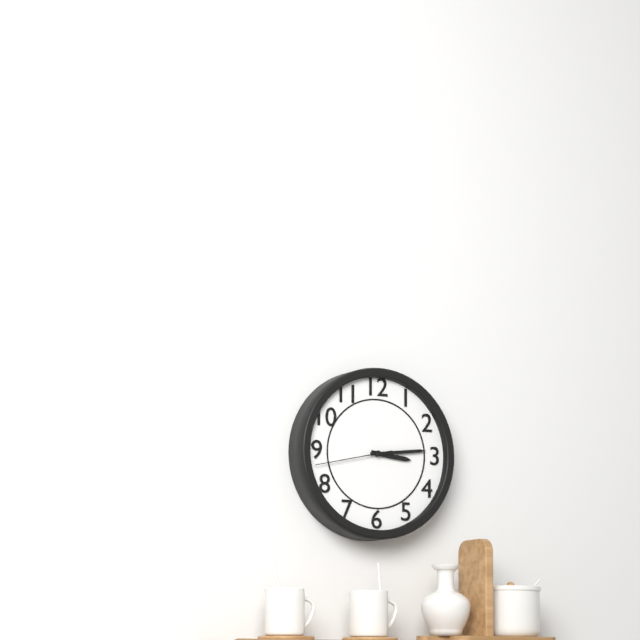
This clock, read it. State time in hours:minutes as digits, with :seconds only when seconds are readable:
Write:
3:14:43
